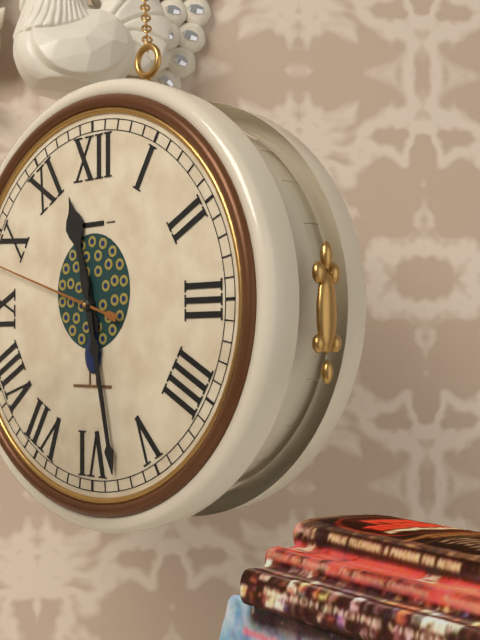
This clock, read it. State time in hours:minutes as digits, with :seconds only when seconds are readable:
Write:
11:28
